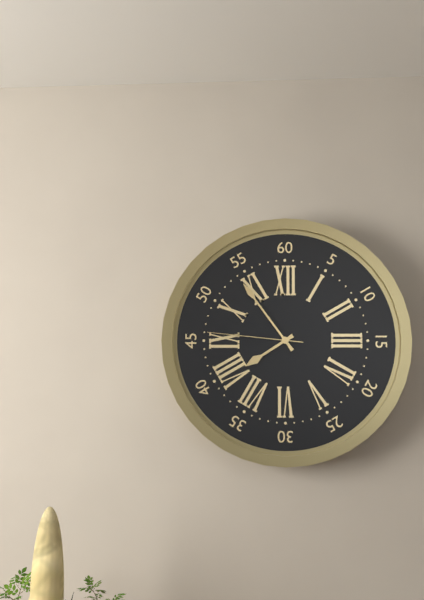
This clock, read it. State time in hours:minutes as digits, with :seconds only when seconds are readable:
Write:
7:54:46
